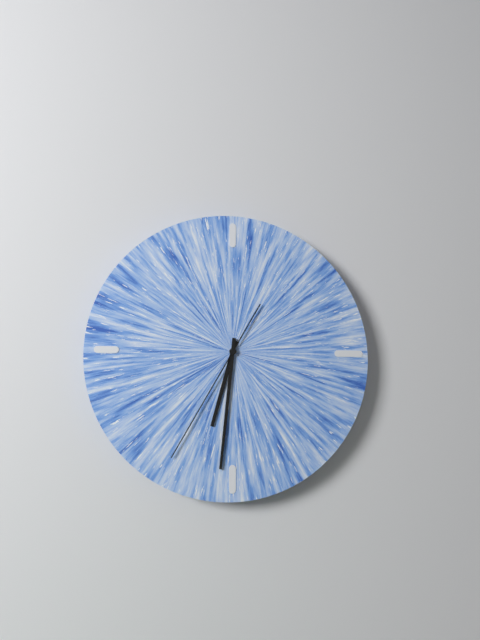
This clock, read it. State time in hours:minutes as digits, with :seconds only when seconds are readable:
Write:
6:31:35
